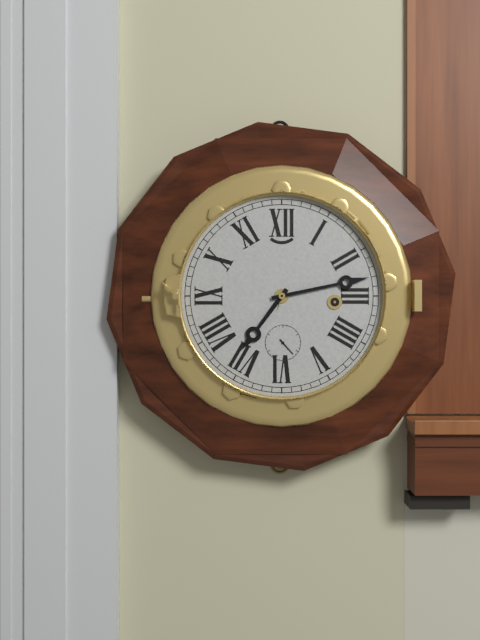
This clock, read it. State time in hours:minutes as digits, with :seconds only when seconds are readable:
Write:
7:13
